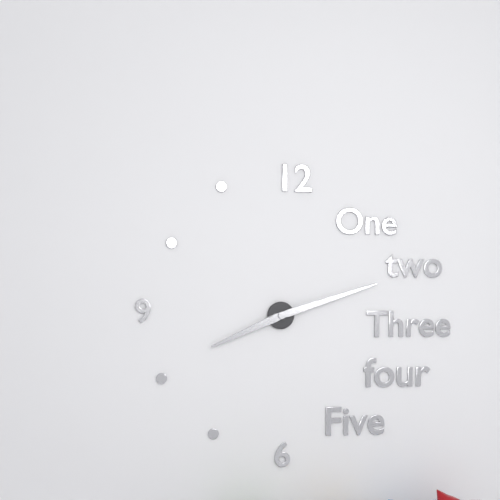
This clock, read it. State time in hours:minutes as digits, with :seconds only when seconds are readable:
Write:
8:12
